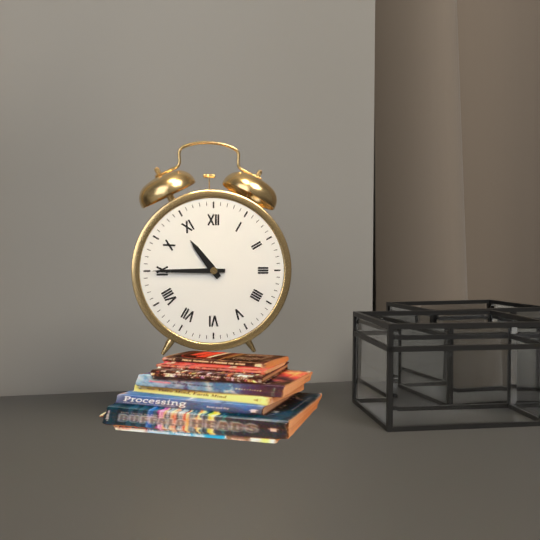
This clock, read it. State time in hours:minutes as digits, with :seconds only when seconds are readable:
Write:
10:45
